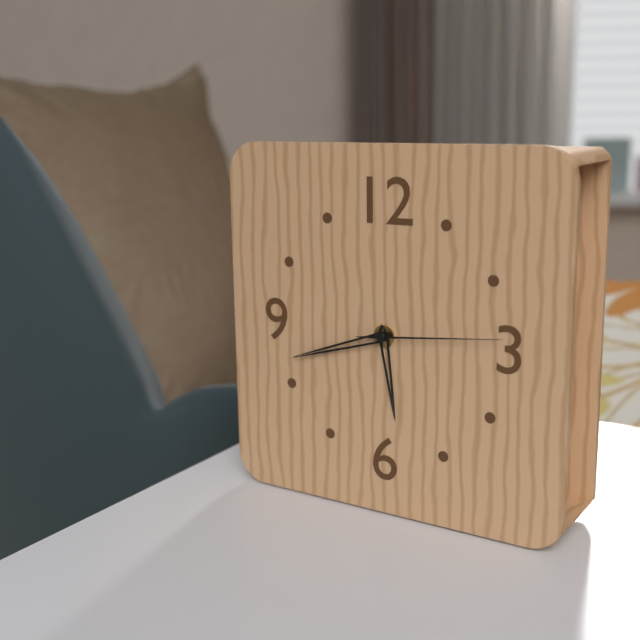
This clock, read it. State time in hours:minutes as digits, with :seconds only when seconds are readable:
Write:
5:42:14
